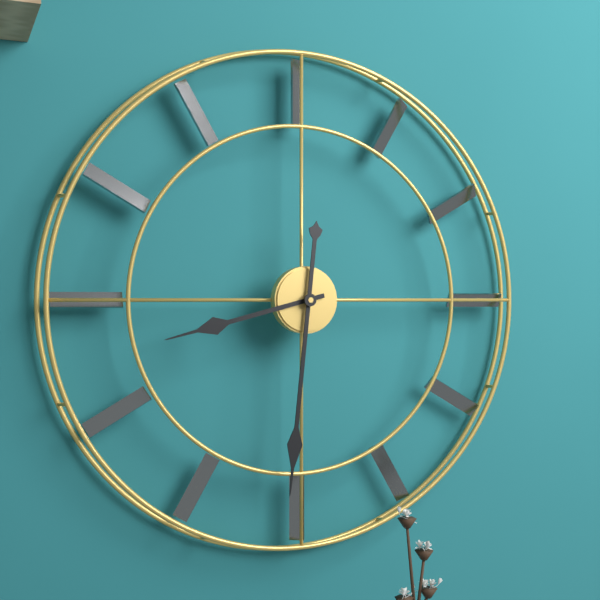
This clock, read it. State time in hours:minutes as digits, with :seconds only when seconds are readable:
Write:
8:31
